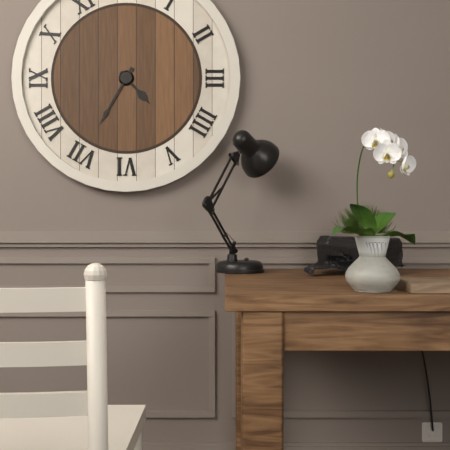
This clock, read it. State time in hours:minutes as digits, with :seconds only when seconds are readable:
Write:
4:35
